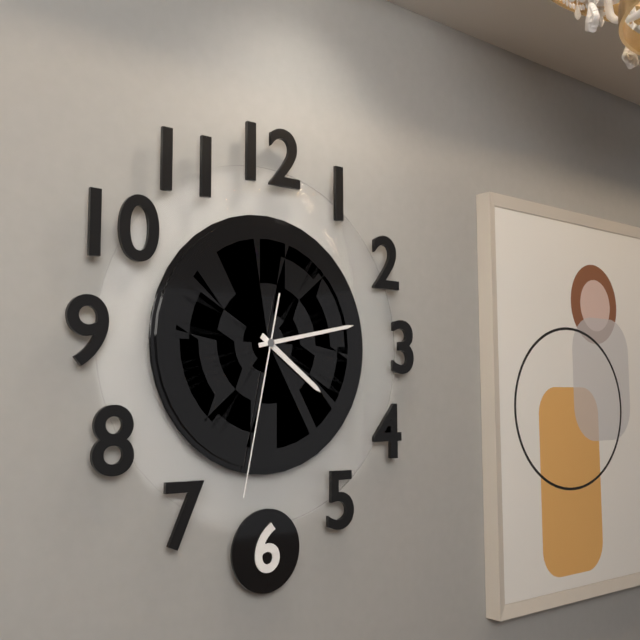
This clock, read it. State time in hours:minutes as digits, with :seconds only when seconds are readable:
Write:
4:13:32
